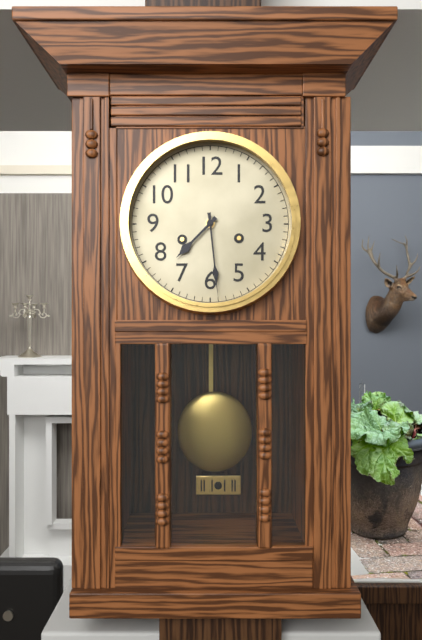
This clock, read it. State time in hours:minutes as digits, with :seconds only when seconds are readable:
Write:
7:29
